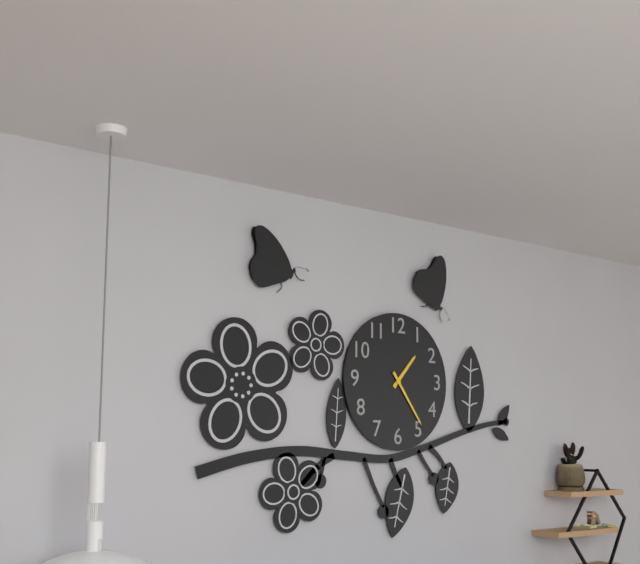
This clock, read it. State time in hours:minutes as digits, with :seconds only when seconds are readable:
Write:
1:24
